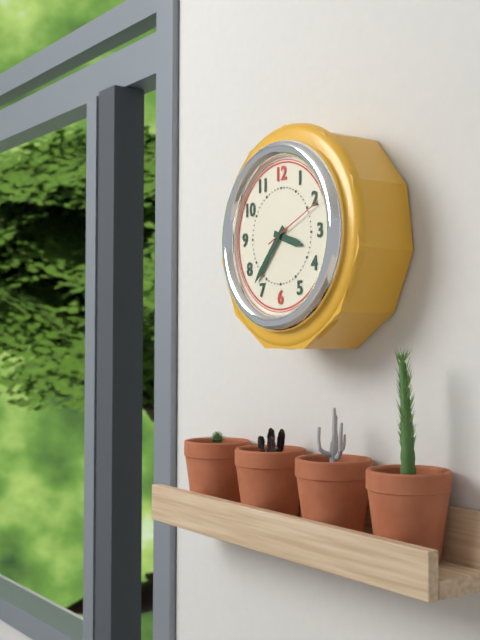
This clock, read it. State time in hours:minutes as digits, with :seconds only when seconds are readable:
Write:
3:37:11
